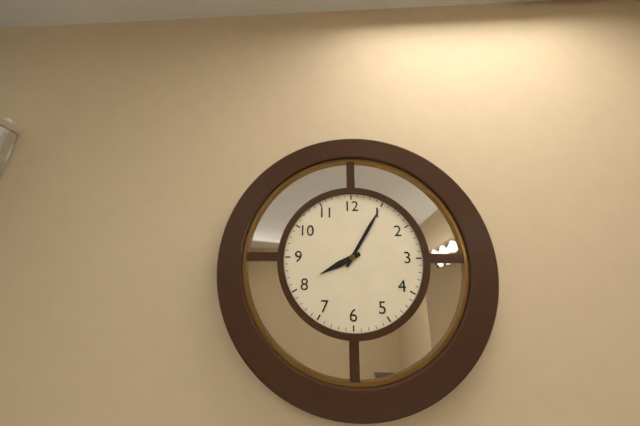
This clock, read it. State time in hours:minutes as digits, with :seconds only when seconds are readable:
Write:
8:05
